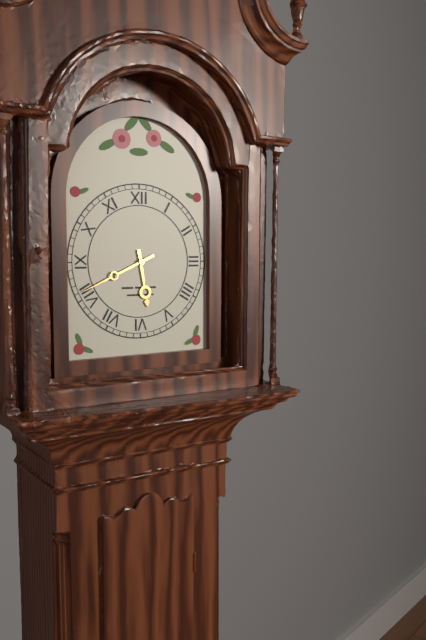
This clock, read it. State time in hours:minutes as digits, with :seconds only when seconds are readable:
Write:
5:41
